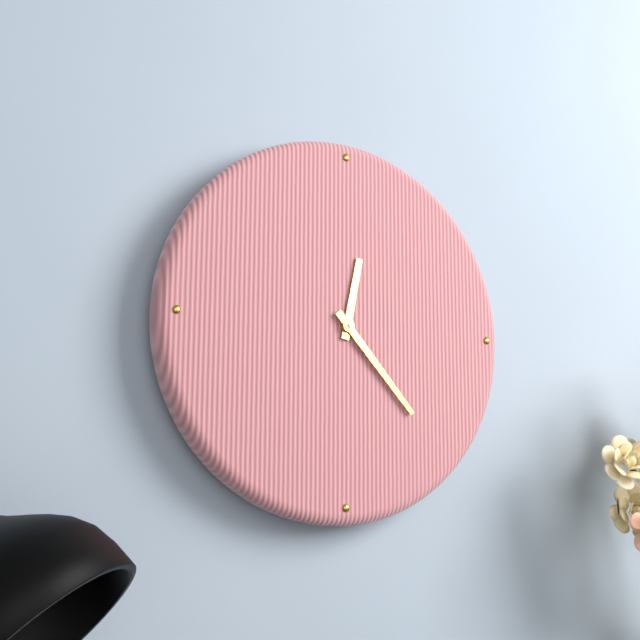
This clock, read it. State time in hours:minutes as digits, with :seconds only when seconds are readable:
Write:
12:23
